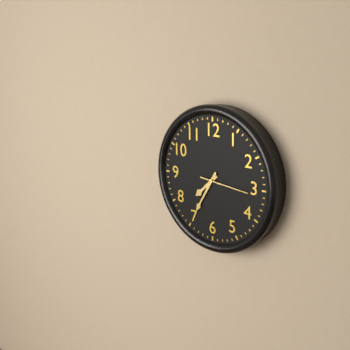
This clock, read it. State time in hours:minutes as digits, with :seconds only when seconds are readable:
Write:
7:35
